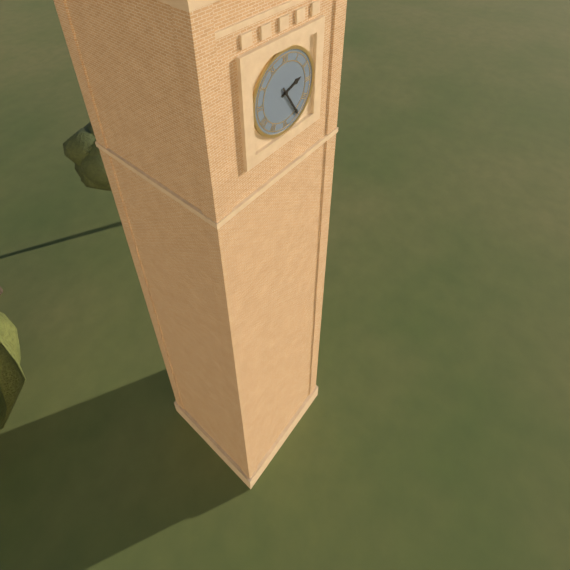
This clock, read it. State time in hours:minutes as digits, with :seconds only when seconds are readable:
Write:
2:25
